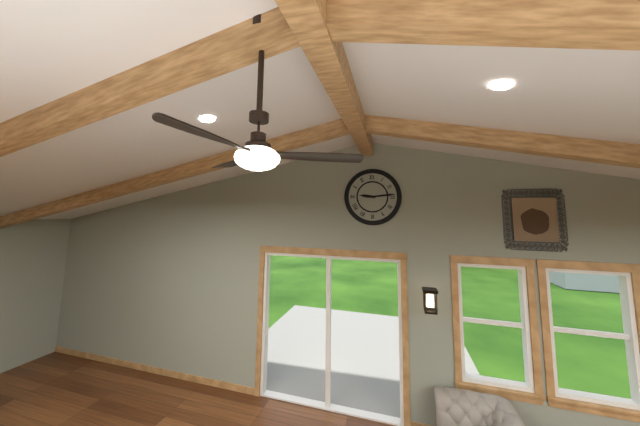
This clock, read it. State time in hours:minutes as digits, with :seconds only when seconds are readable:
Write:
9:14
